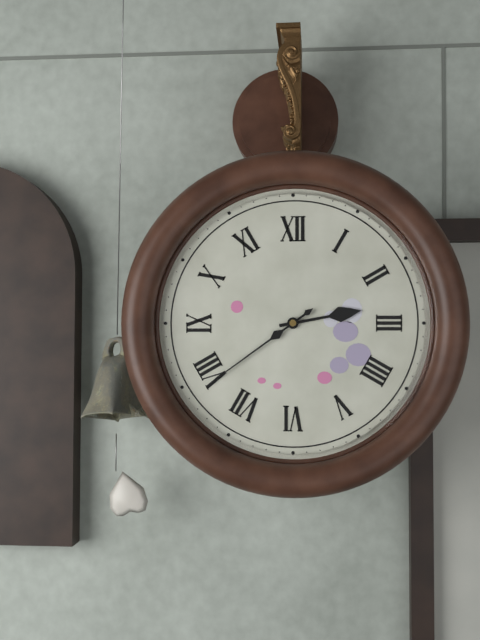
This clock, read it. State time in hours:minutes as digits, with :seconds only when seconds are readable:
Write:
2:39
